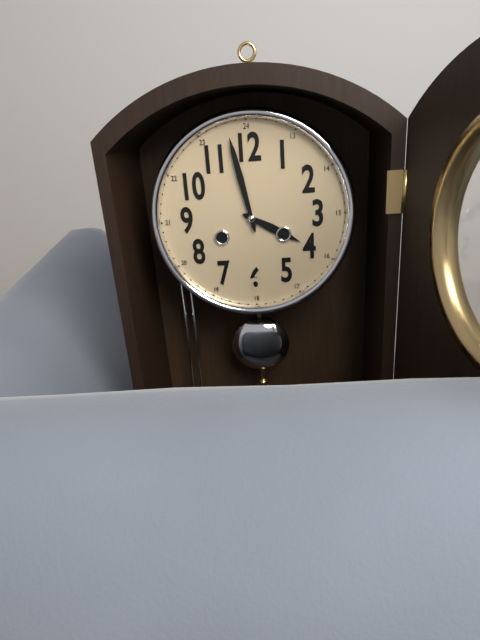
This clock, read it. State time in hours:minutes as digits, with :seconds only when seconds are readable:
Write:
3:58
